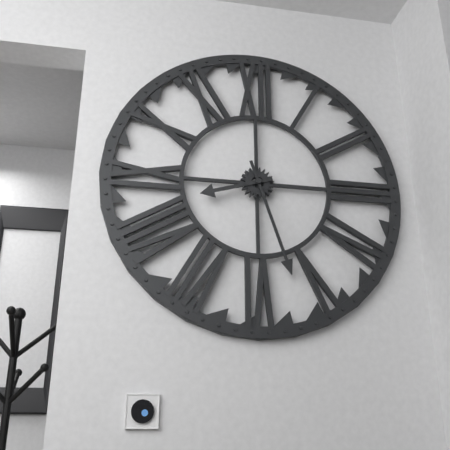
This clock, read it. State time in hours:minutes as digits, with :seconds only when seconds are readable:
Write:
8:27
